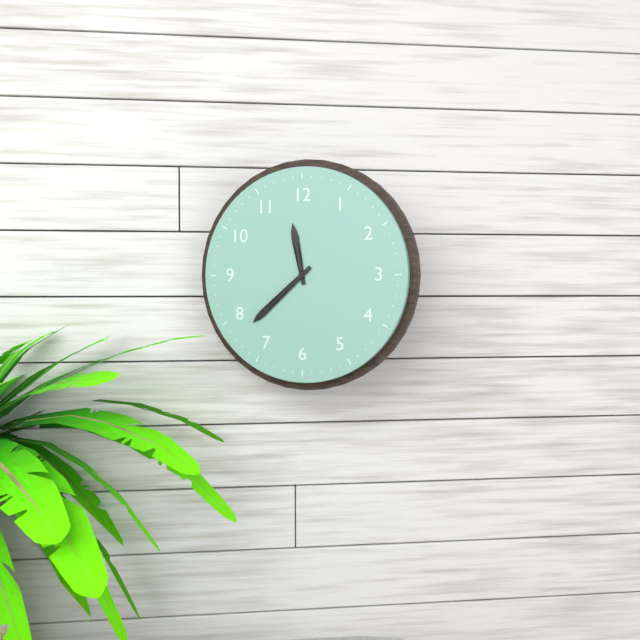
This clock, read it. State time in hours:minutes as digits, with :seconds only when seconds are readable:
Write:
11:38
